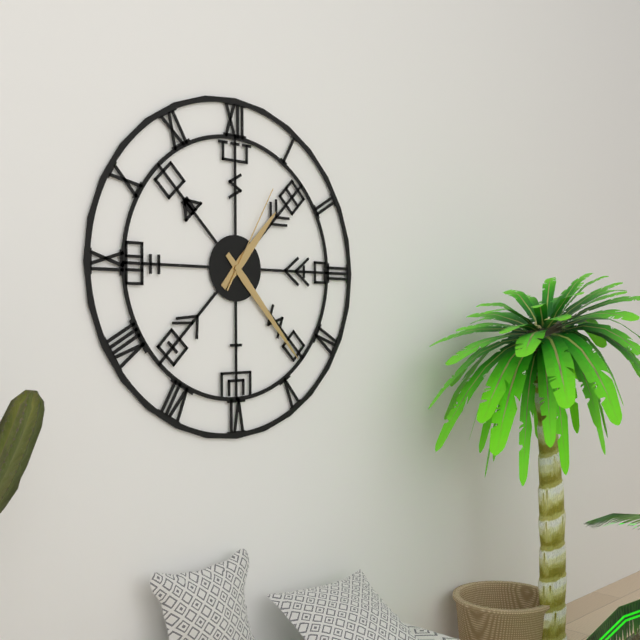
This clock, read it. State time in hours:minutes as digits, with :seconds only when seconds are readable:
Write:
1:23:05
